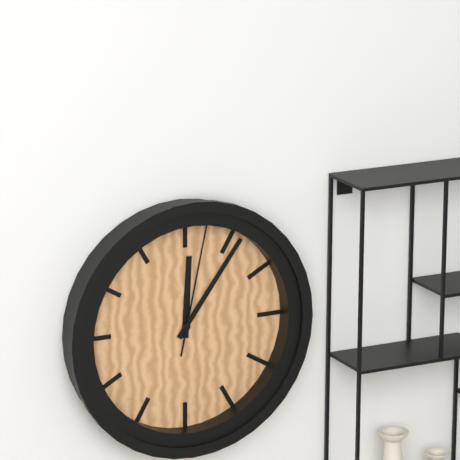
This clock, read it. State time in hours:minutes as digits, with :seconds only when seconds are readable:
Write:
12:06:02
